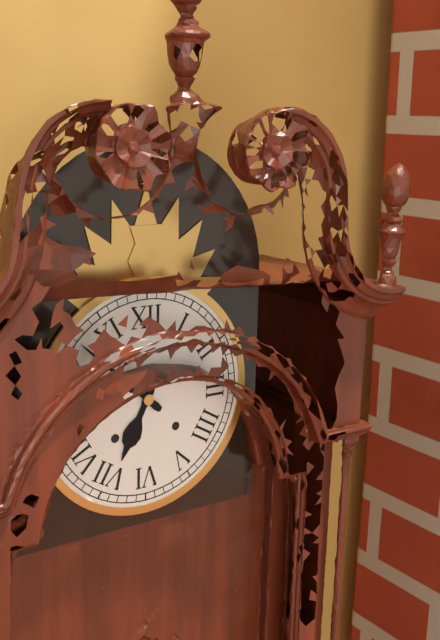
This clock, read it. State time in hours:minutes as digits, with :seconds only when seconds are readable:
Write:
6:52
